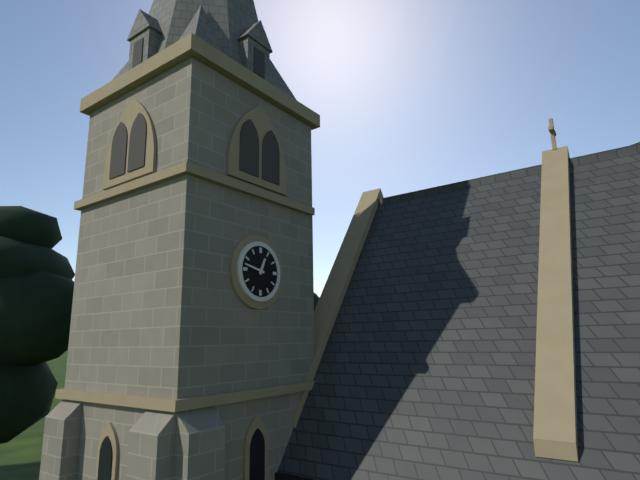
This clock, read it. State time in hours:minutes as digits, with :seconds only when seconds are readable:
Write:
12:47
